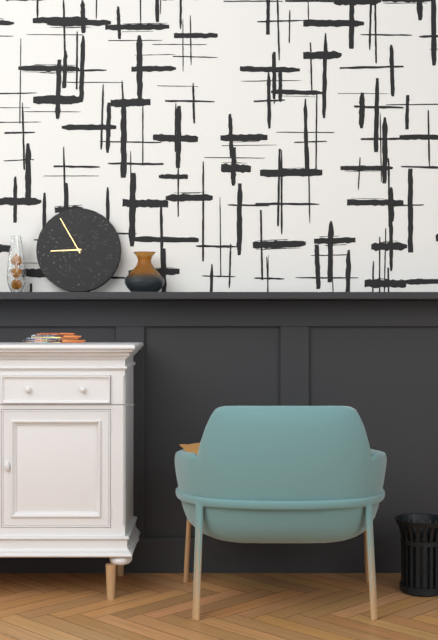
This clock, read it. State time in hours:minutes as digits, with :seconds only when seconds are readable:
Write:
8:55
